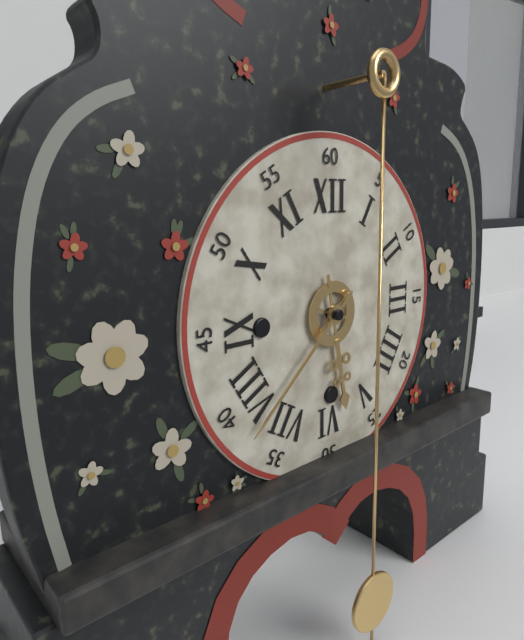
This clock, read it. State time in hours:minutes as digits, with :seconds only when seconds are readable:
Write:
5:38
